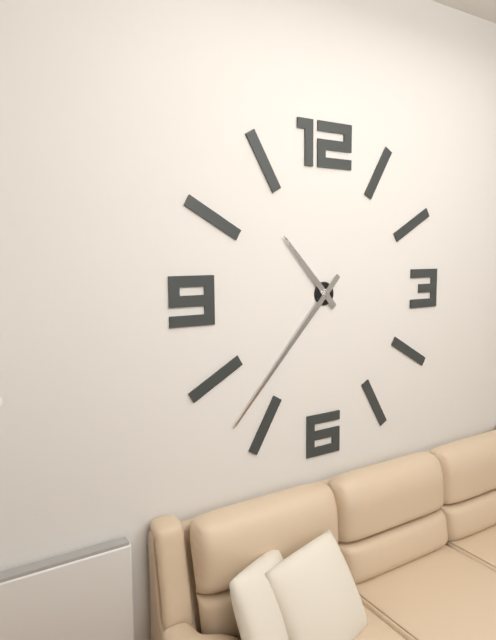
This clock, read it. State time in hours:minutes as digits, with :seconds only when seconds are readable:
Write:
10:37
